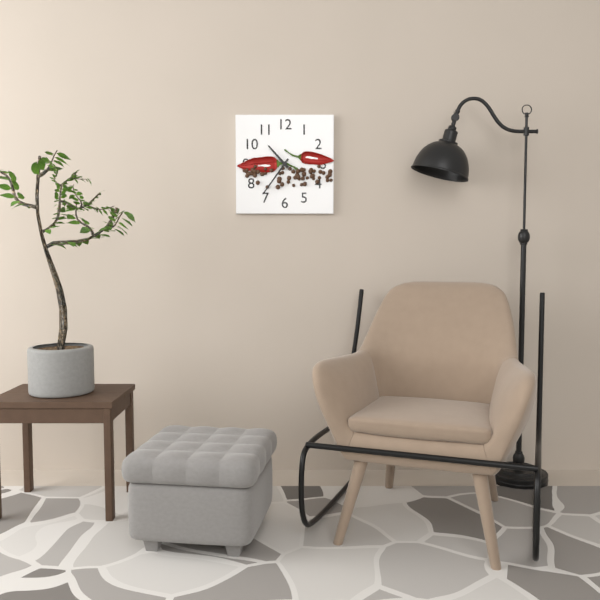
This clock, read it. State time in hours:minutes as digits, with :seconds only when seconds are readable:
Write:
10:36
